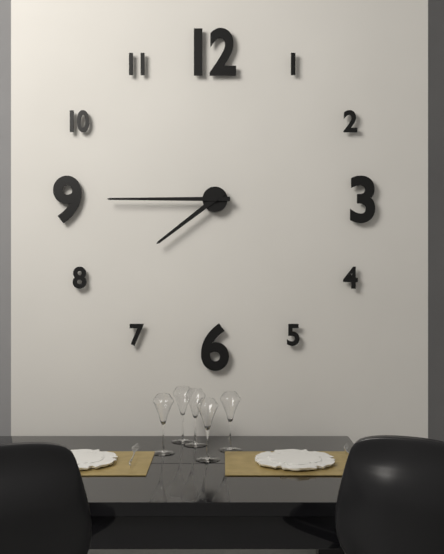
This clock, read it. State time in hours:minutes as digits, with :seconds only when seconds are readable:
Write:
7:45
